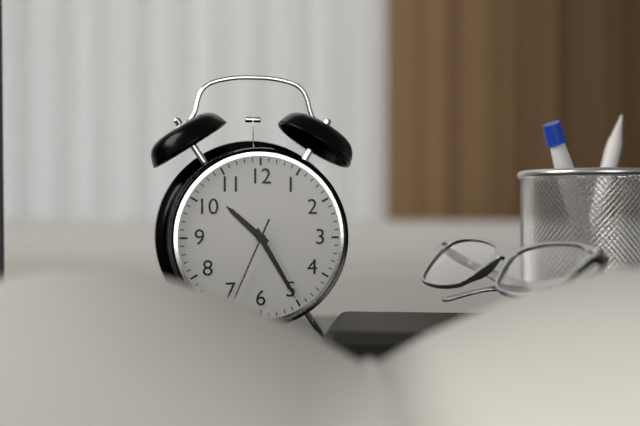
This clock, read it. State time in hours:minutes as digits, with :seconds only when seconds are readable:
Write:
10:25:34
